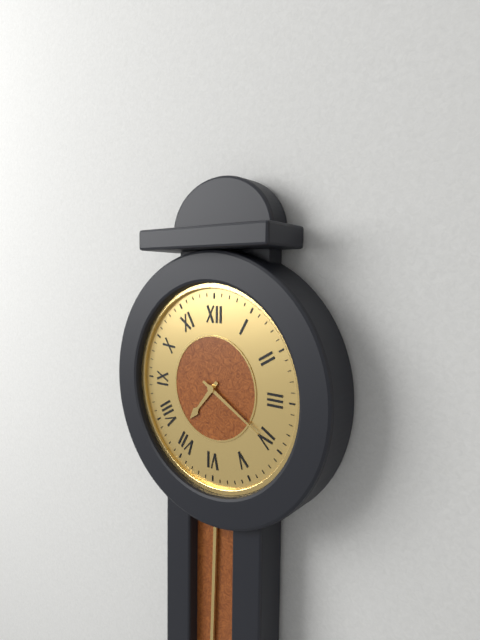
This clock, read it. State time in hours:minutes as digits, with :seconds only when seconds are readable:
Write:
7:20
